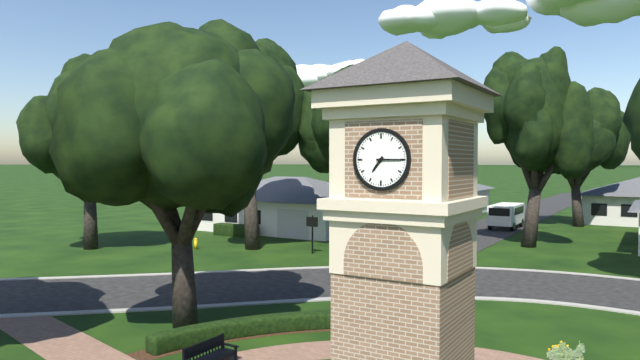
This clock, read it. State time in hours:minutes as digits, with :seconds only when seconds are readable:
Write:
7:15
